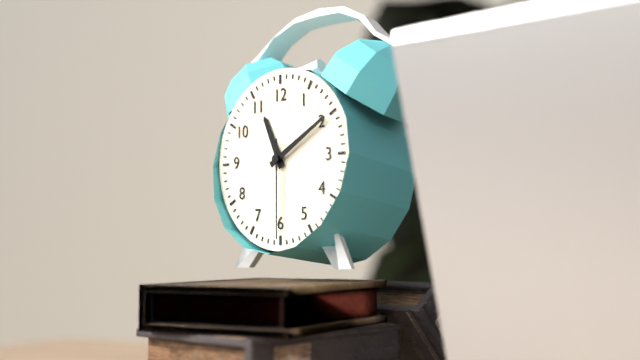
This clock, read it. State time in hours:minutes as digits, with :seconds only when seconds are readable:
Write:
11:10:30
